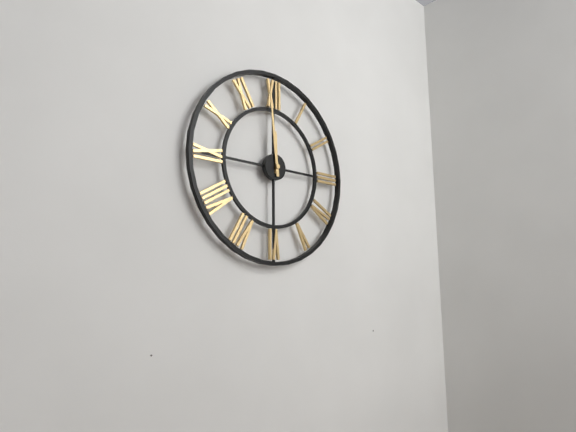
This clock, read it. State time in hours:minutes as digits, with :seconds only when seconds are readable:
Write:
11:59
